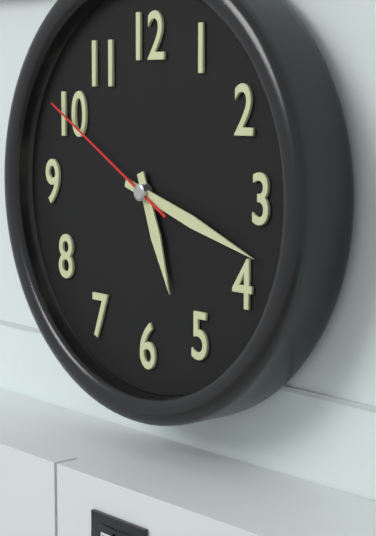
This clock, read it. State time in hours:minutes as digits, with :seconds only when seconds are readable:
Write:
5:18:50
